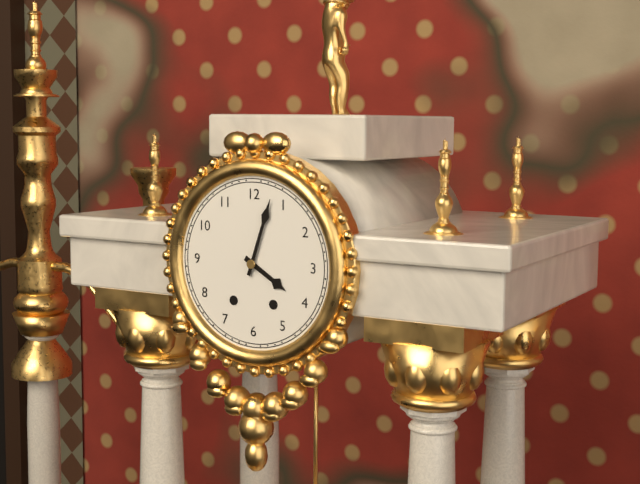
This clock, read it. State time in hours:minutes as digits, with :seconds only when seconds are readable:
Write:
4:03
